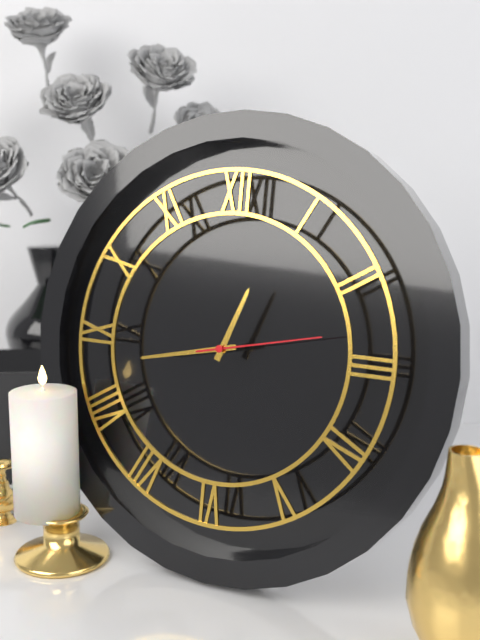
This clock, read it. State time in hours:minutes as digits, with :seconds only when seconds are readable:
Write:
12:43:13
